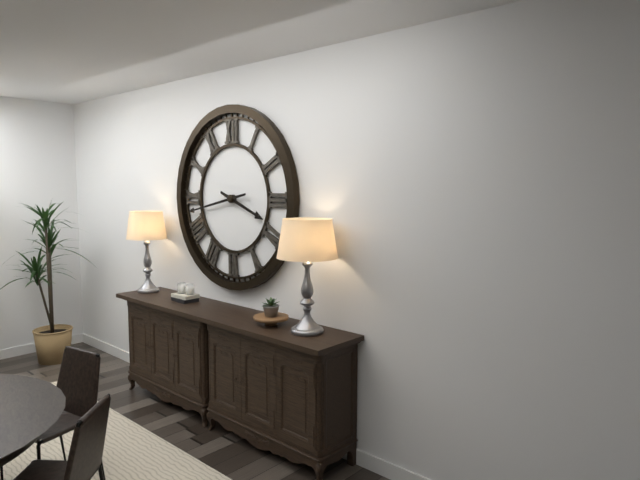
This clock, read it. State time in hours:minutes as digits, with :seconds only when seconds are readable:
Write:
3:43
